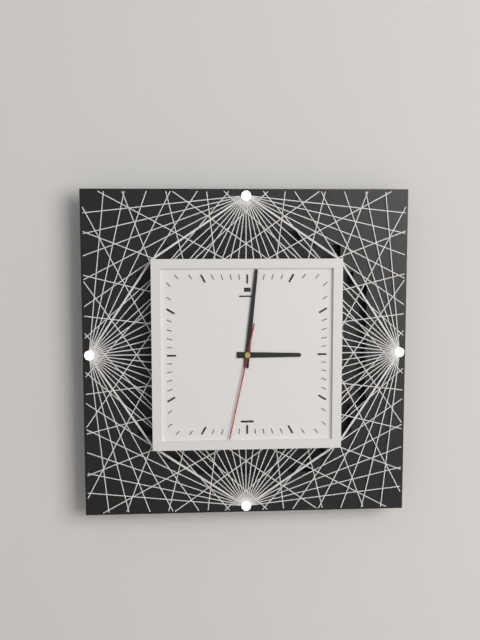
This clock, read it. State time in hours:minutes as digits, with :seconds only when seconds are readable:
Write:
3:01:32
